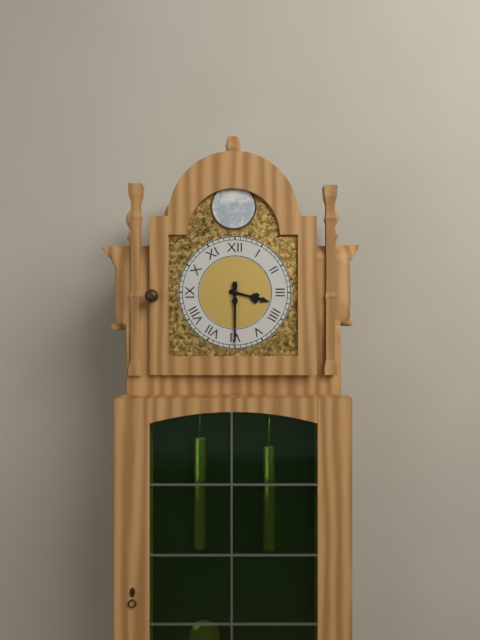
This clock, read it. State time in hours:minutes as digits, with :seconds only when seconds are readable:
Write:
3:30
